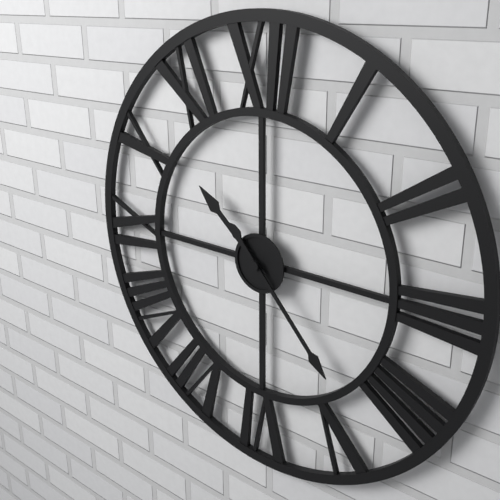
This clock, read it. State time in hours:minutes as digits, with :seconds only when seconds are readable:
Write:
10:23
